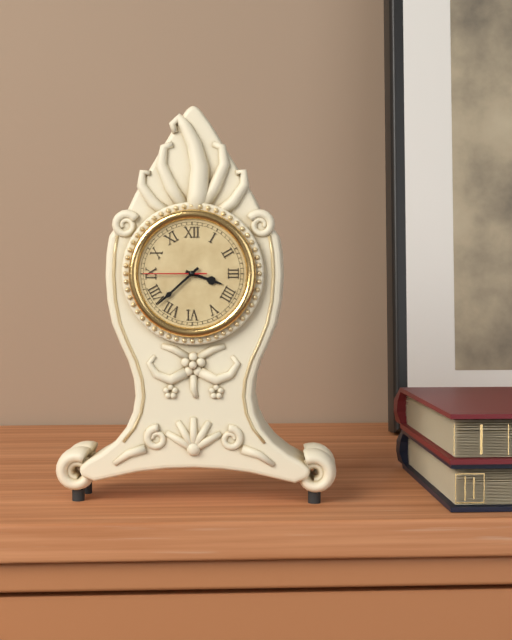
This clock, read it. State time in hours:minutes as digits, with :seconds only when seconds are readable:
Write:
3:38:45
